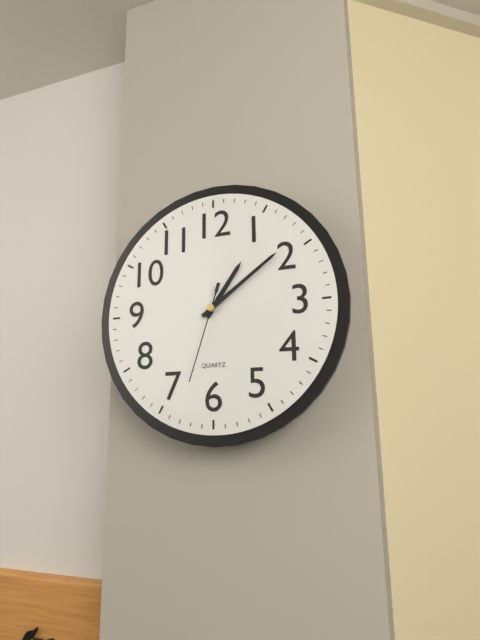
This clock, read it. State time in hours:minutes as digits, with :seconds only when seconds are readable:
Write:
1:09:33
